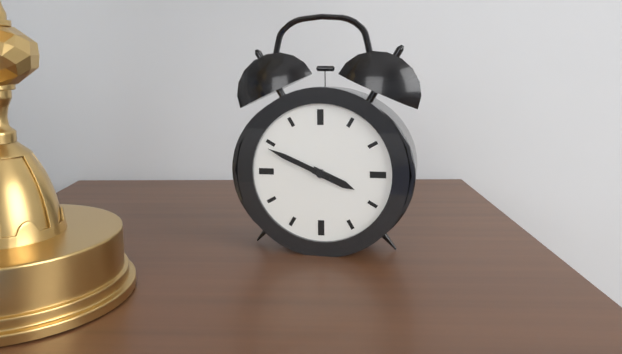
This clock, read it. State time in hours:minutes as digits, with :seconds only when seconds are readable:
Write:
3:49
